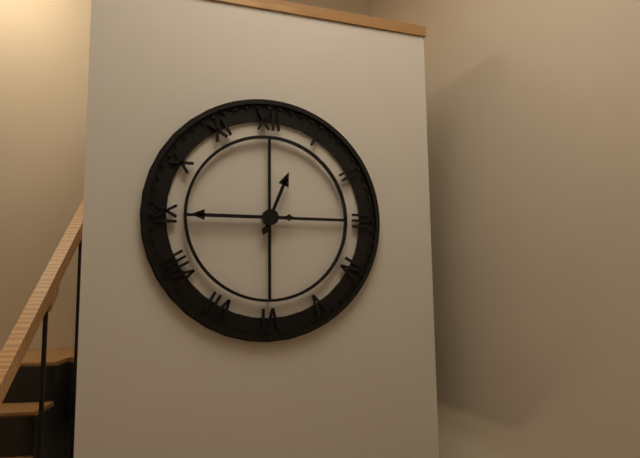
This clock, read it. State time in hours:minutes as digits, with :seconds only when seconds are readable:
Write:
12:45
